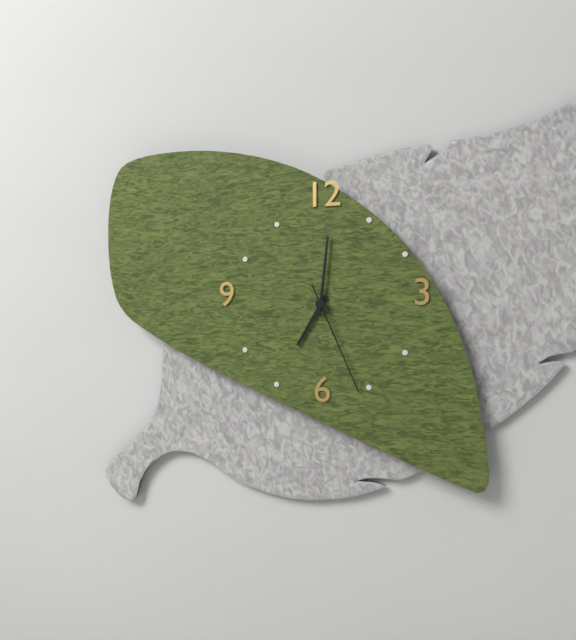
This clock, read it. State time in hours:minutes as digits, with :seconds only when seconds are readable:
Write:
7:01:26
